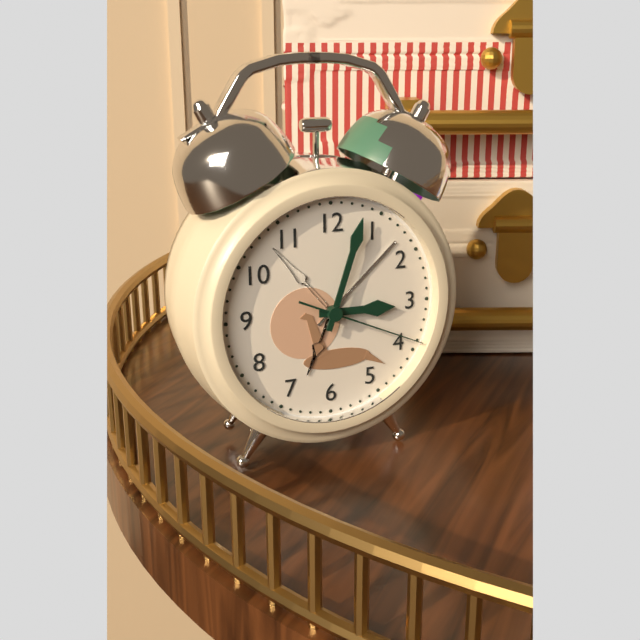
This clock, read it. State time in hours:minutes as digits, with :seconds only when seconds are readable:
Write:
3:03:19
